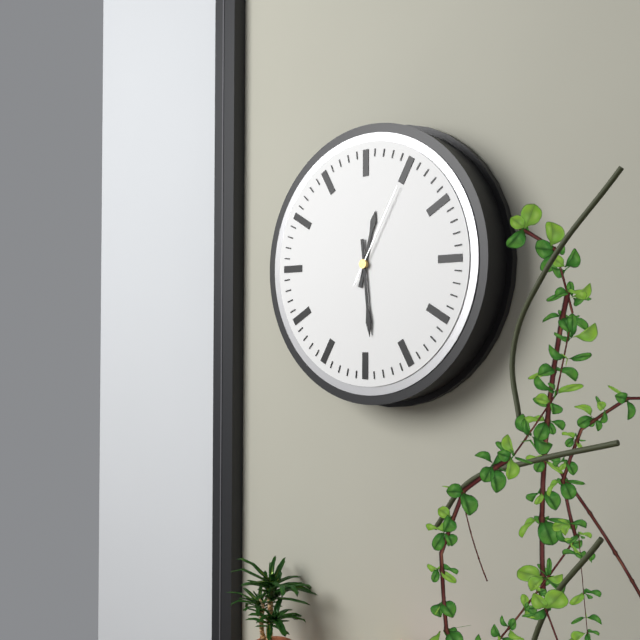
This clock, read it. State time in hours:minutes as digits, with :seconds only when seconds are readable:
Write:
12:29:05
